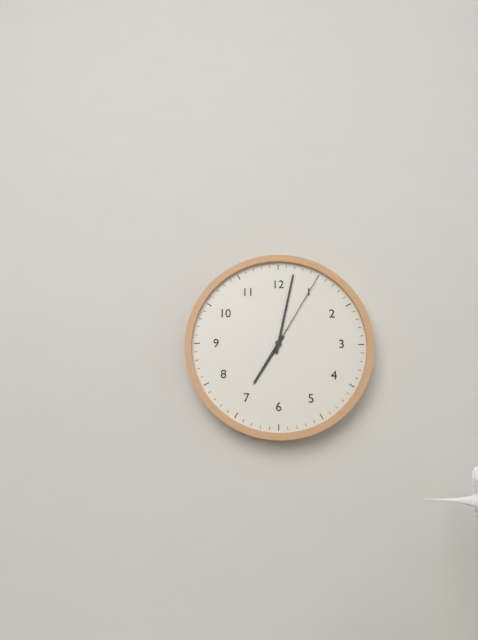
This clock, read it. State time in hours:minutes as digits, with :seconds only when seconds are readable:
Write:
7:02:05
